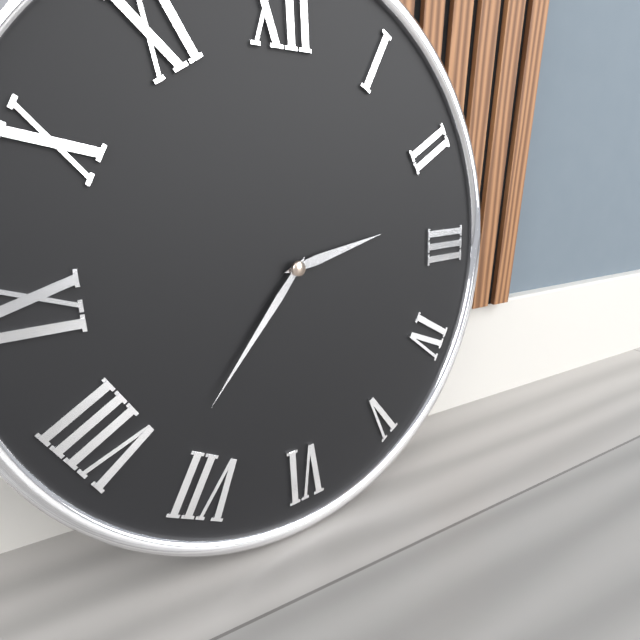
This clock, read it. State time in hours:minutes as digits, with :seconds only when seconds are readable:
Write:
2:37
